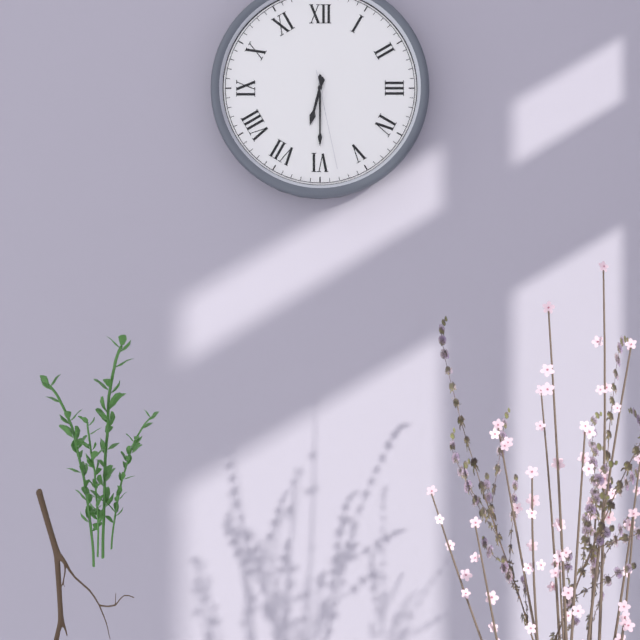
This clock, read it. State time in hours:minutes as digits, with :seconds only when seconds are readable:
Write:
6:30:28
